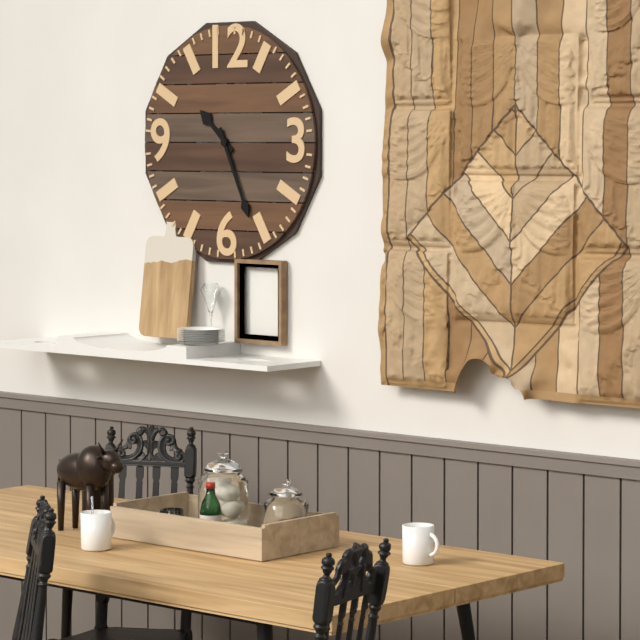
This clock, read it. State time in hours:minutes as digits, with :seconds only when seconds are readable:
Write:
10:26
